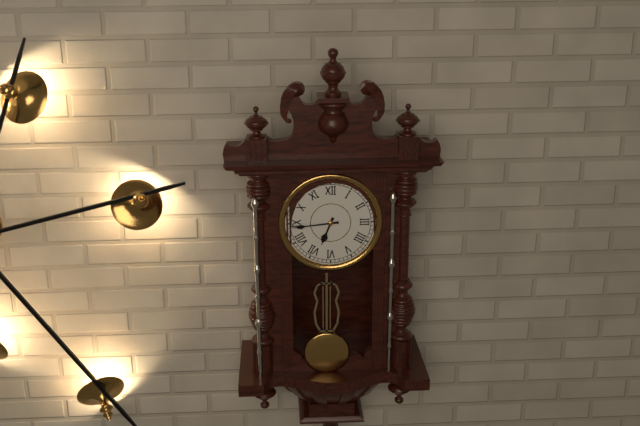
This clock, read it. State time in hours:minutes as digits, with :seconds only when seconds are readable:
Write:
6:44
